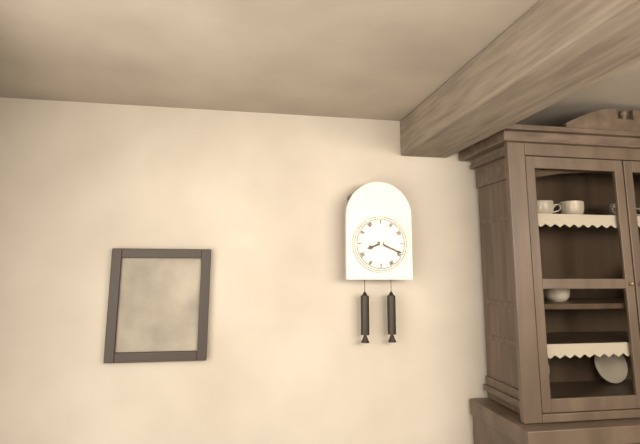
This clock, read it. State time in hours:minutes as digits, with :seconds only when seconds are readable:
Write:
8:19
